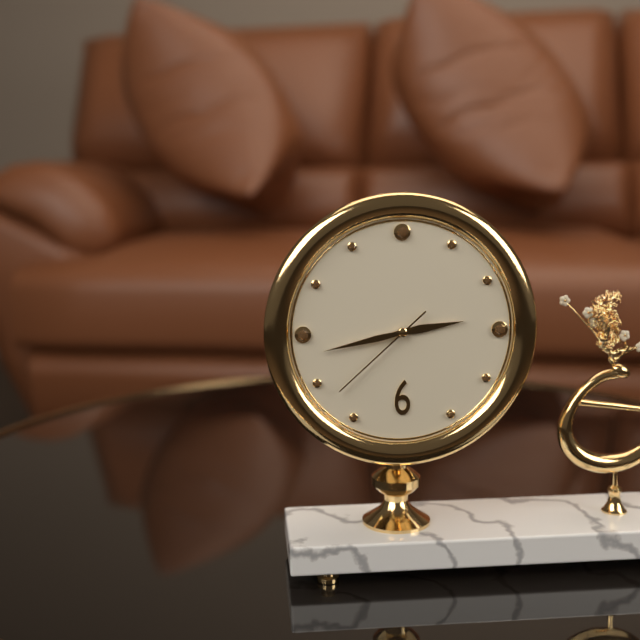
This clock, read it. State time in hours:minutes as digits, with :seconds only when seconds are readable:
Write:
2:43:38
